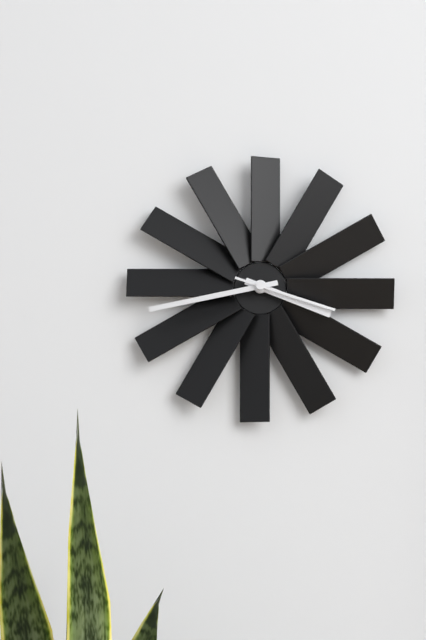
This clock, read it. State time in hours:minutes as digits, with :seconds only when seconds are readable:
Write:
3:43:18
